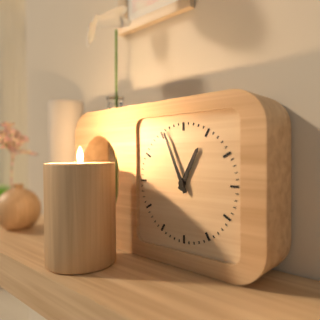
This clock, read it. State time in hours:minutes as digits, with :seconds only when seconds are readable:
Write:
12:56
